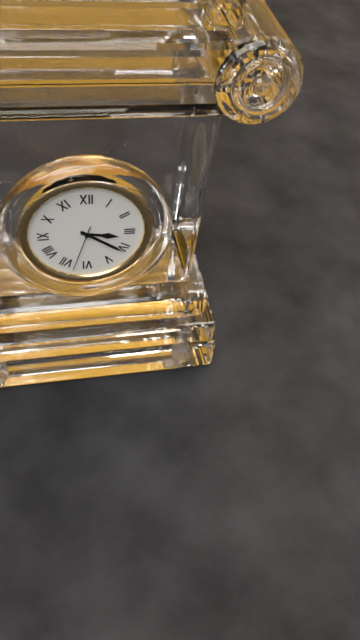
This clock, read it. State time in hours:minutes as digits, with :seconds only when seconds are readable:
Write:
3:21
